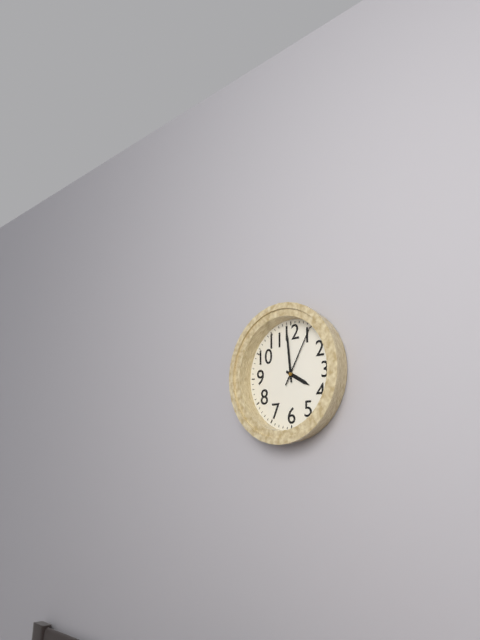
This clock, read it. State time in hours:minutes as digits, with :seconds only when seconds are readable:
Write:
3:59:05
